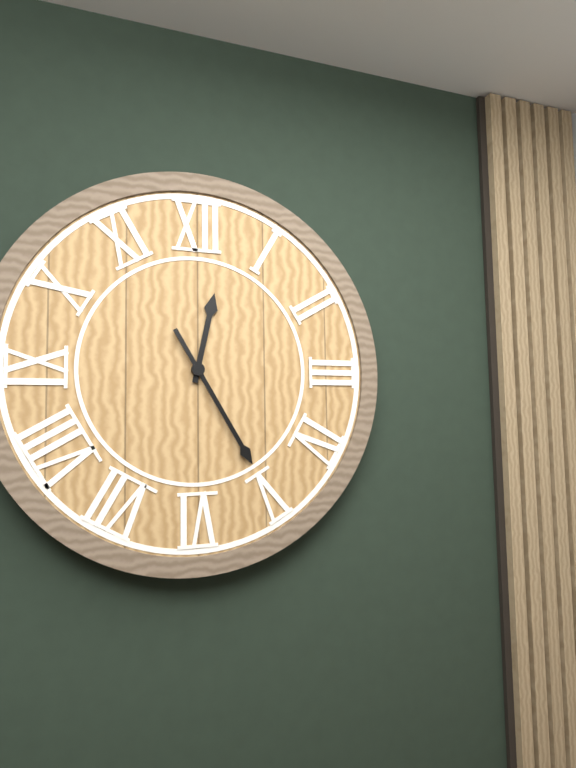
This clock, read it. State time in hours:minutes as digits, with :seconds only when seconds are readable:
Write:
12:25
